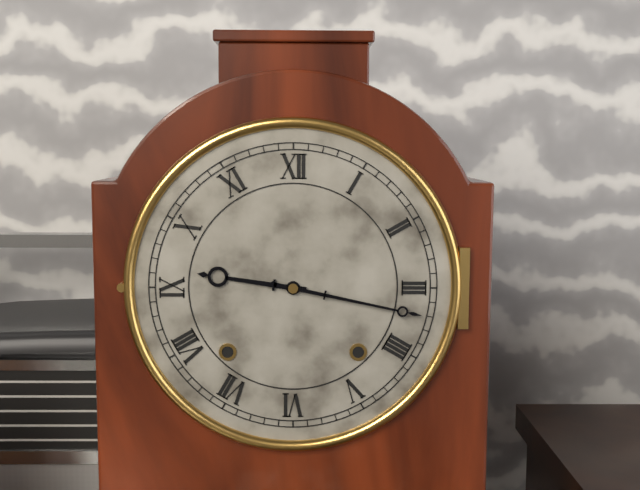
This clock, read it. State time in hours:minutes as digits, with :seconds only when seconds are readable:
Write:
9:17
